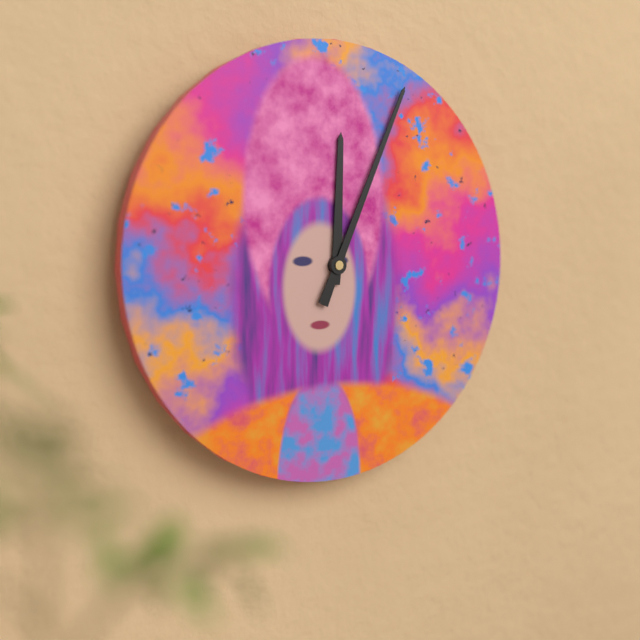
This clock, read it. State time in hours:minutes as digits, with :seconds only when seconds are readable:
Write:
12:04
